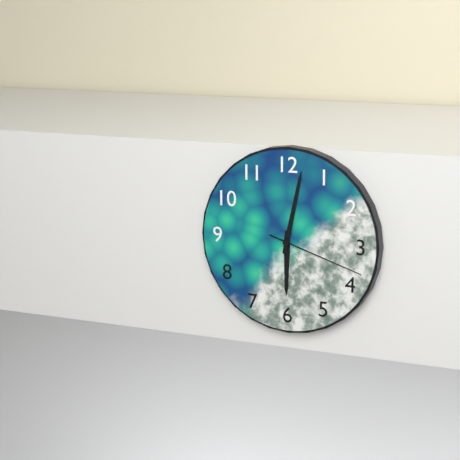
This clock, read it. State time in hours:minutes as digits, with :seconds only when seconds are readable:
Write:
6:02:18
